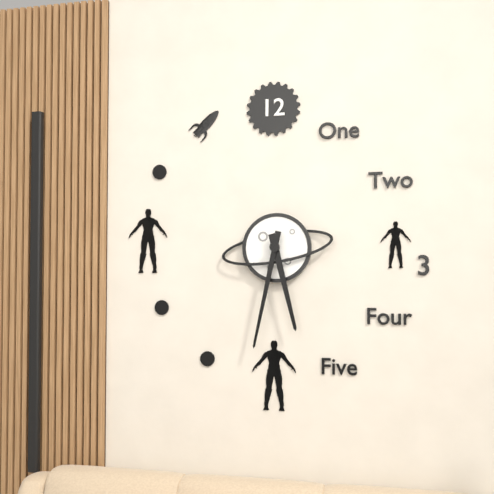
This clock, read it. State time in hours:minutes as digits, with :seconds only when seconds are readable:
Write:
5:32
